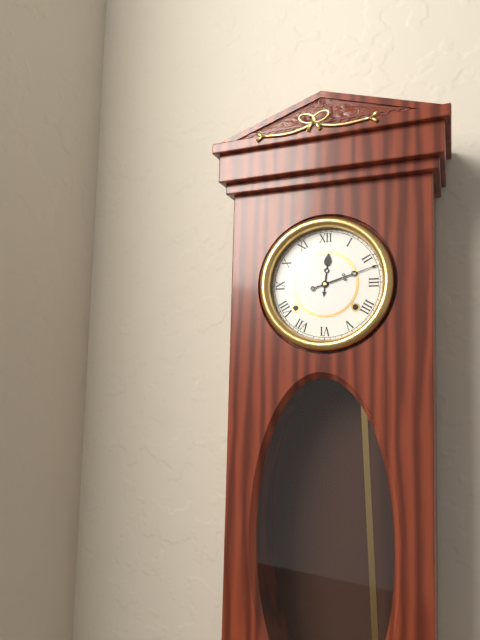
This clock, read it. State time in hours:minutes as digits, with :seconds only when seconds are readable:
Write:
12:12
